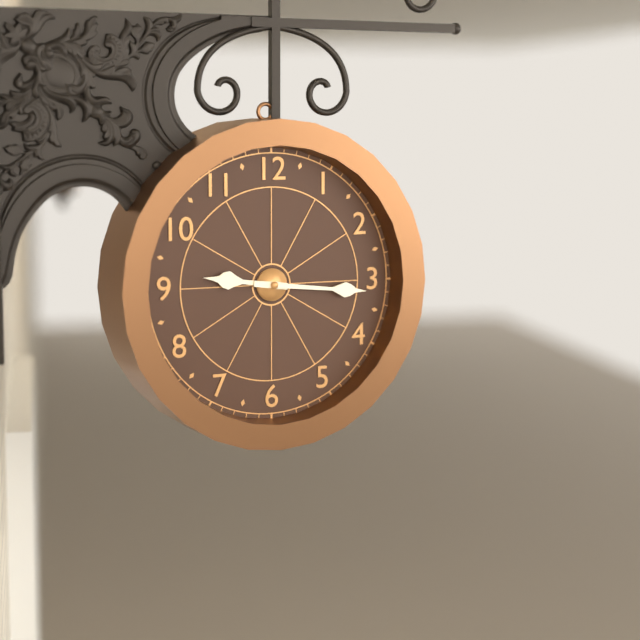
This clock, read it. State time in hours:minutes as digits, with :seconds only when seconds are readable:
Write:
9:16
